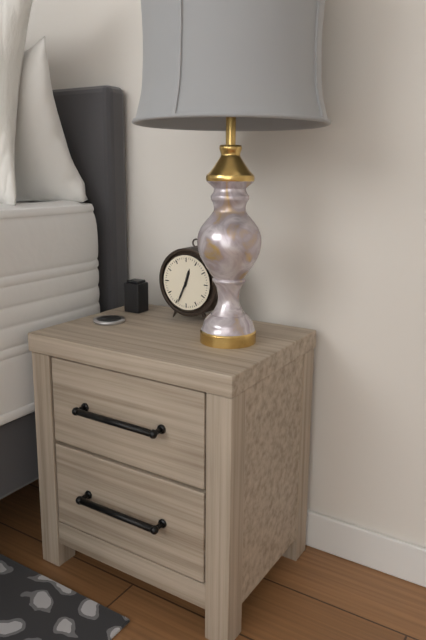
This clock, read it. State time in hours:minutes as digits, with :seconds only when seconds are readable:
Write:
12:34
